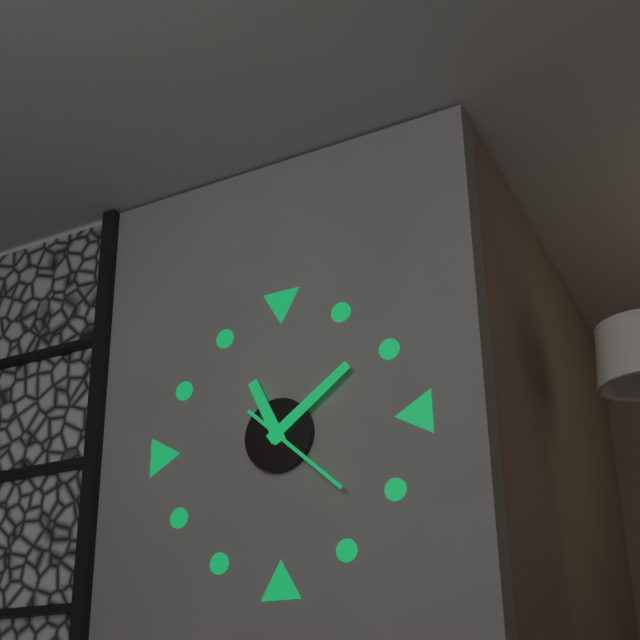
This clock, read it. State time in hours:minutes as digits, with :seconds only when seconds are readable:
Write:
11:09:22
